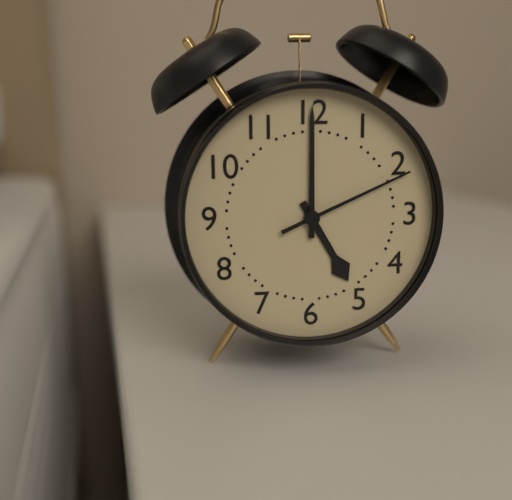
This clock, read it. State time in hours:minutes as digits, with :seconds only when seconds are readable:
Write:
5:00:11
